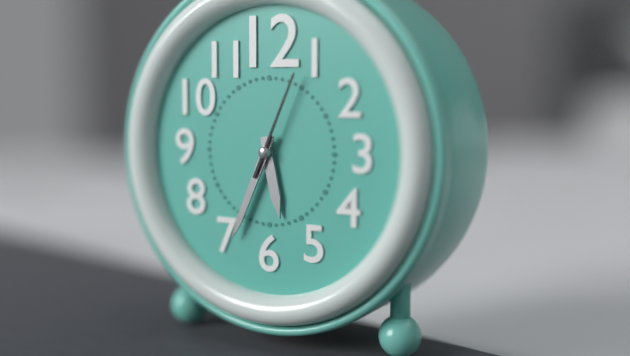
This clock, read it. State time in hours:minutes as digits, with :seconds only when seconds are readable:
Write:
5:34:04
